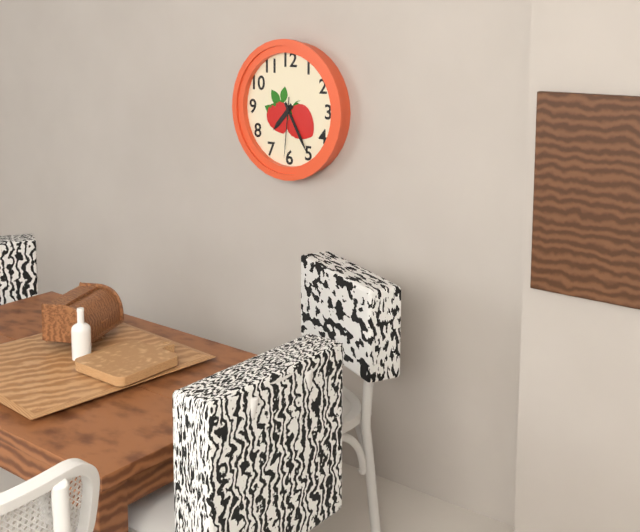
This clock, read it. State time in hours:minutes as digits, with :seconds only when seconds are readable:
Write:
7:25:31
